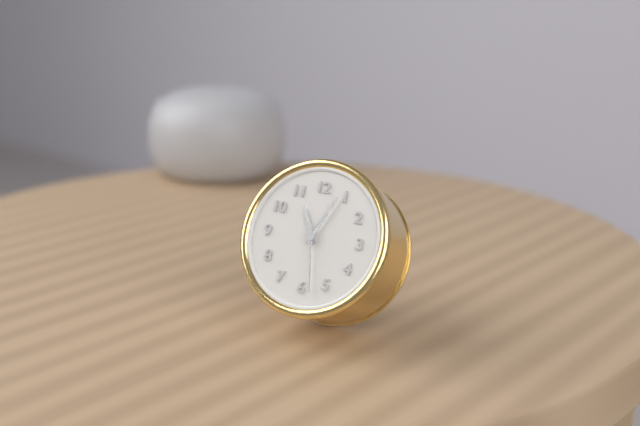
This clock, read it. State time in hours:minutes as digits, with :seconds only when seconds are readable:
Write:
11:04:28
